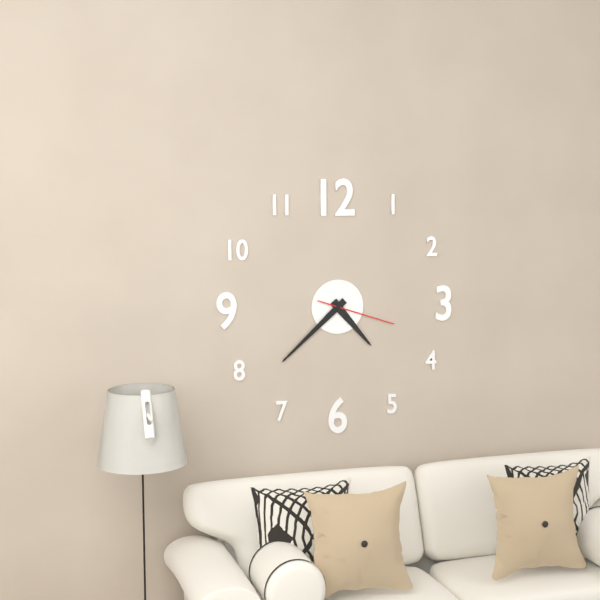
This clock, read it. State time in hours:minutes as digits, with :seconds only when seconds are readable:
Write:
4:38:18
